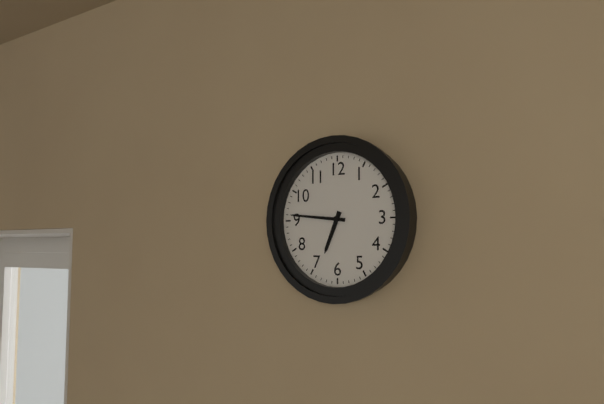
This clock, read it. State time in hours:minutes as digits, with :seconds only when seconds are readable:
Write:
6:46
